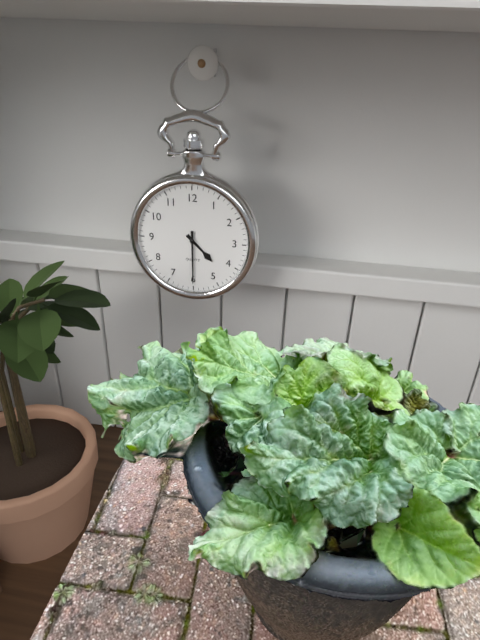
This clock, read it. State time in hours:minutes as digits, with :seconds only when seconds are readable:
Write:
4:30
